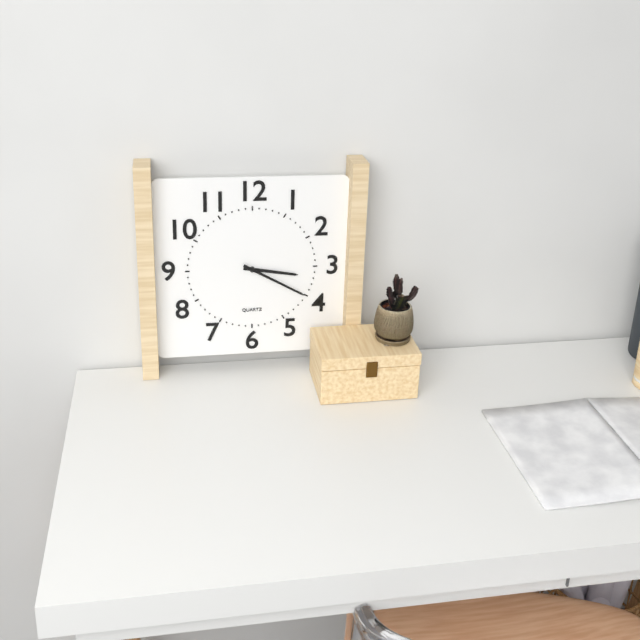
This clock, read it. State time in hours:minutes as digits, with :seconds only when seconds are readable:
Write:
3:20
